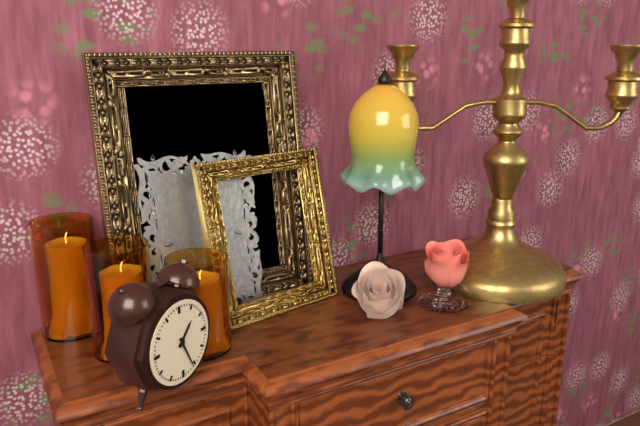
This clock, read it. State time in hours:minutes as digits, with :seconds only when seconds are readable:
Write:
1:26
